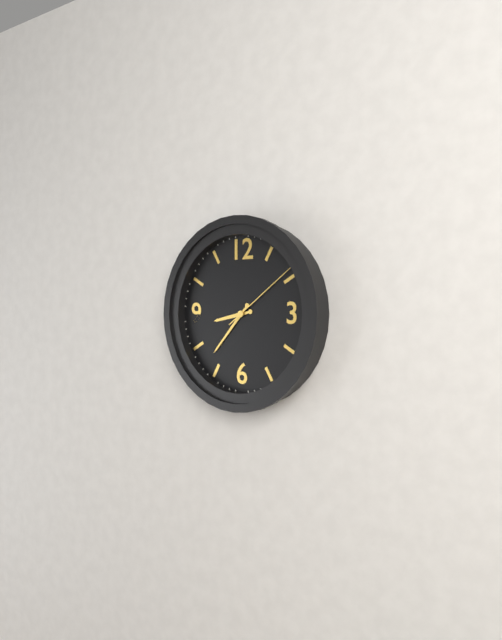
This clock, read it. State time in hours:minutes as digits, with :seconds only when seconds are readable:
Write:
8:37:09
